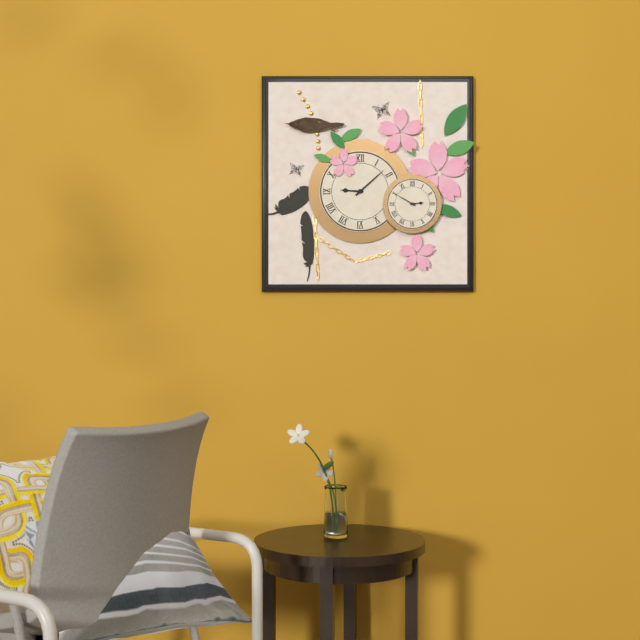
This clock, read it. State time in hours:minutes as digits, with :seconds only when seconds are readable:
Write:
9:08
